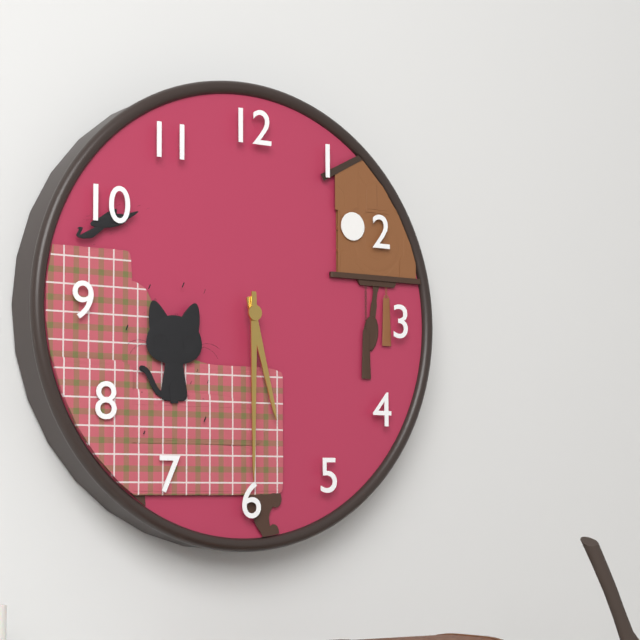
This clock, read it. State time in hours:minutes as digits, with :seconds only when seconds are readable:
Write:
5:30
